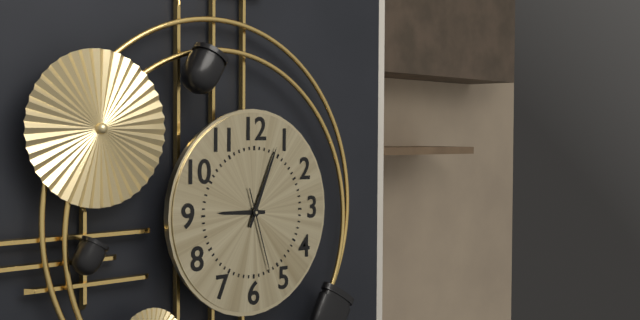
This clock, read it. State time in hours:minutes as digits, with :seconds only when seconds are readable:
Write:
9:04:27
